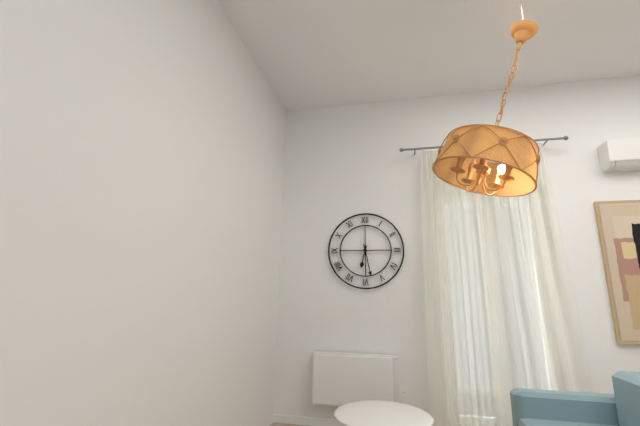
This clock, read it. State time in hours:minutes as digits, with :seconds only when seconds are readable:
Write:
6:28
